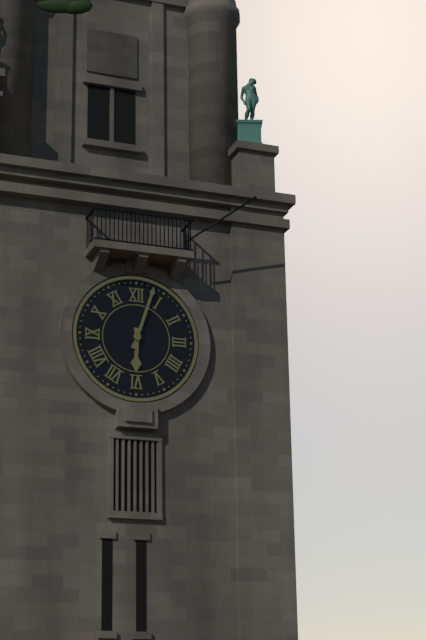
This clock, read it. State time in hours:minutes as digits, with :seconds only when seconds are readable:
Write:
6:03
